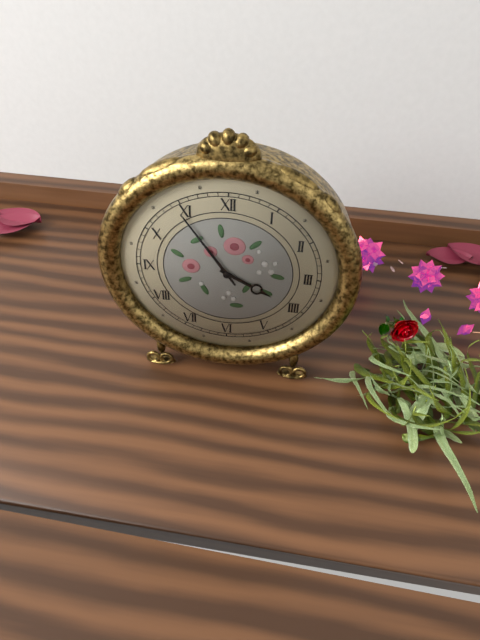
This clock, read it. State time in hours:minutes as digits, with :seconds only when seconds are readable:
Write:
3:54
